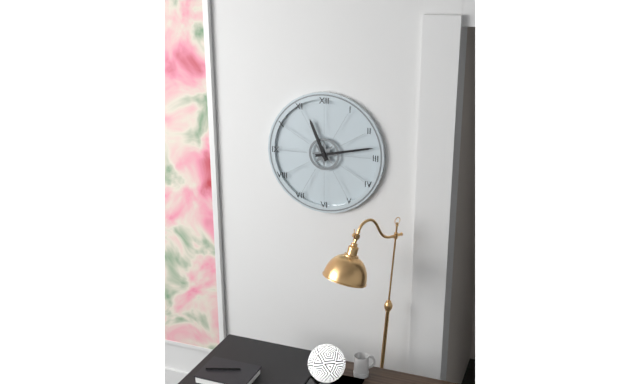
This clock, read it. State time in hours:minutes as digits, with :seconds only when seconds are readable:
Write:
11:13
